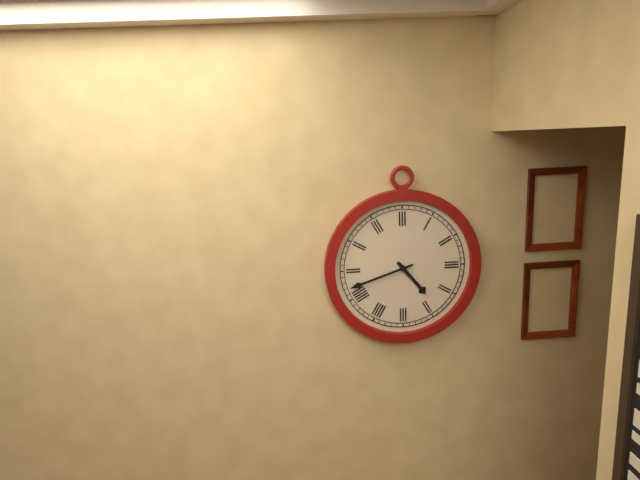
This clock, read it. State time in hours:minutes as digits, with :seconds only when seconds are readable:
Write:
4:42
